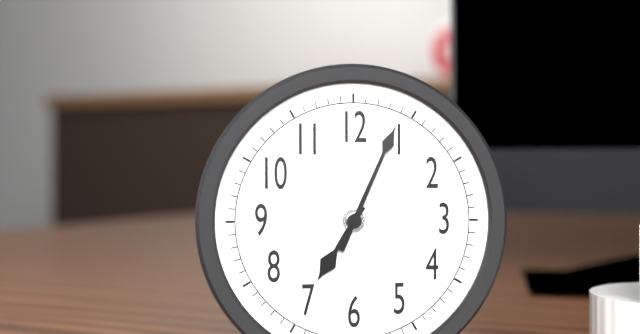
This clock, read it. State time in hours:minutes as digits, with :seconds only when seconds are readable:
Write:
7:04
